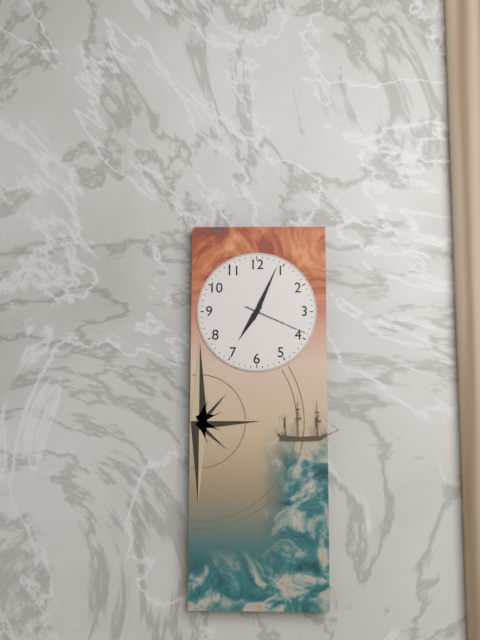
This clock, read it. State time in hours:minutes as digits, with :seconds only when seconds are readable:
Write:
7:04:19
